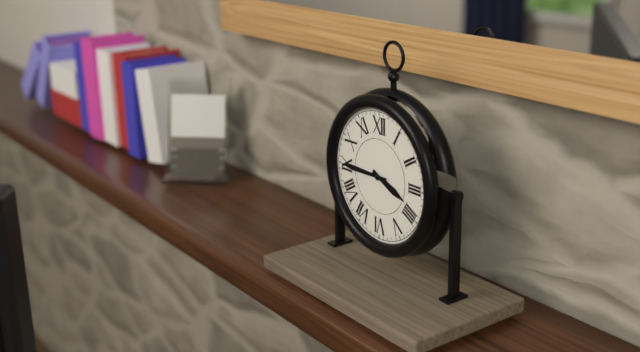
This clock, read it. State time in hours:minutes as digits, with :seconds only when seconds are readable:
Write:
3:45
